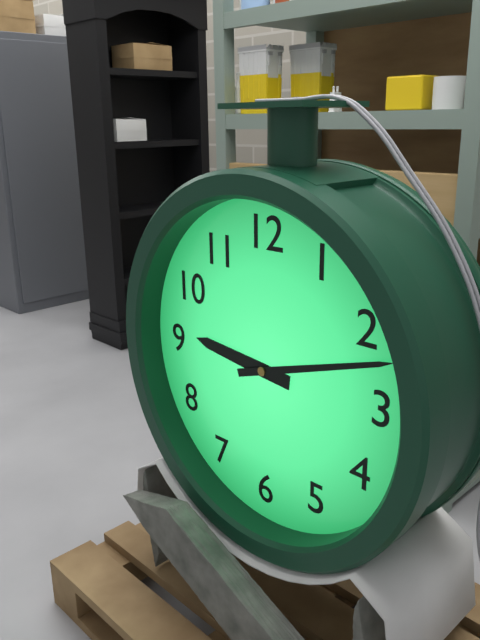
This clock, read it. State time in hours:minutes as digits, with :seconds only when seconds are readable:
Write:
9:12
